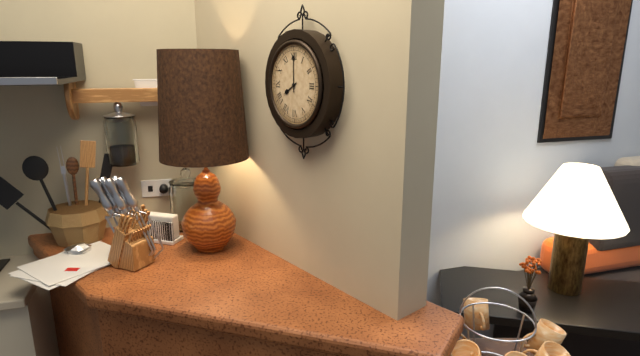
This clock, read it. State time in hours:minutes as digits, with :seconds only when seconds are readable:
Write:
8:00
